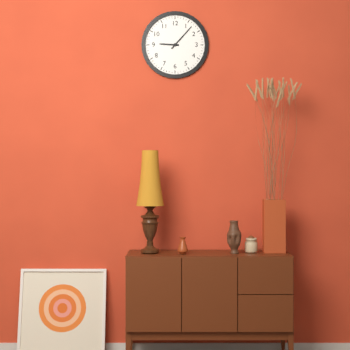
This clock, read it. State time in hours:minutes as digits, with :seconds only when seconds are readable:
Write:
9:07
